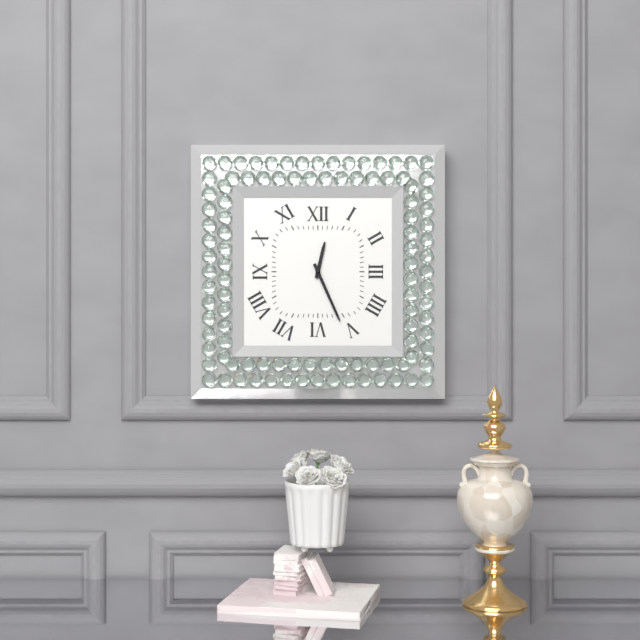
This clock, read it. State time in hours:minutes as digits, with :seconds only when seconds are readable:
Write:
12:26
